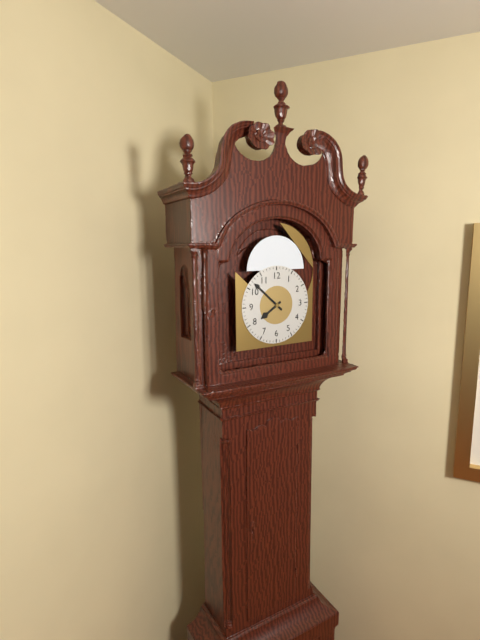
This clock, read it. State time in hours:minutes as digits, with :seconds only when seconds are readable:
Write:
7:52
